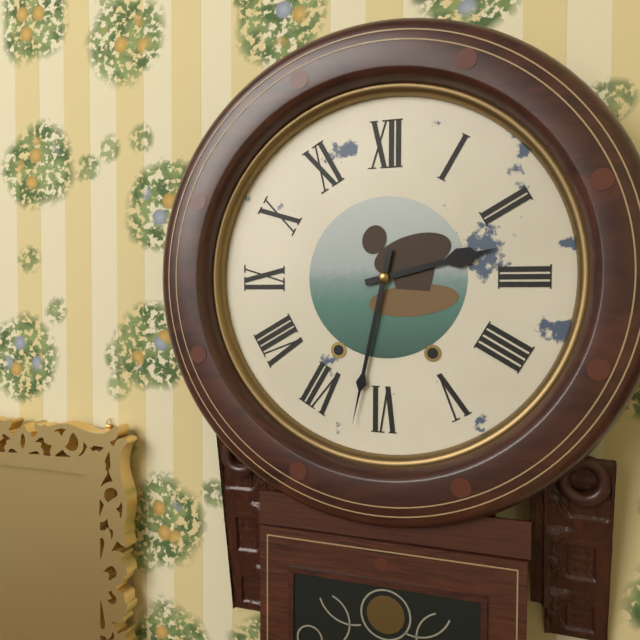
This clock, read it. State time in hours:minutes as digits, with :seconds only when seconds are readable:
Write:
2:32
